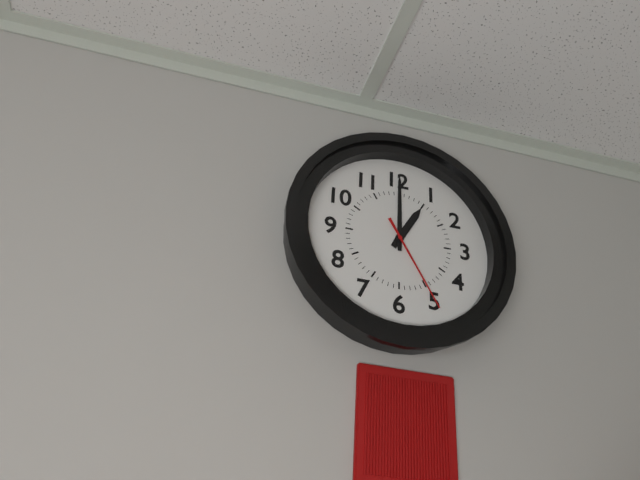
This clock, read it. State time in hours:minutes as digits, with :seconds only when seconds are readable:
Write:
1:00:25
